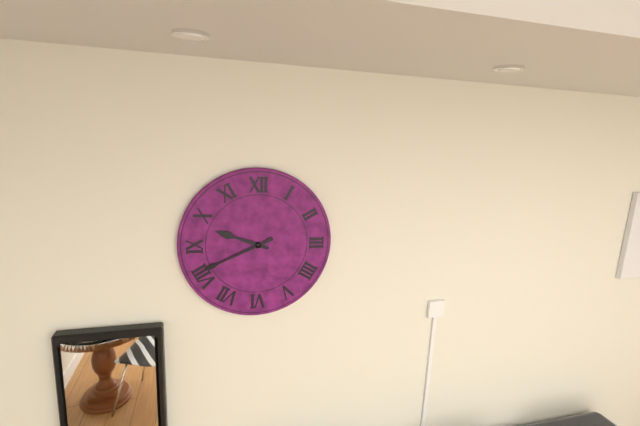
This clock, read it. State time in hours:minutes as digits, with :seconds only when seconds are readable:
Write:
9:41
